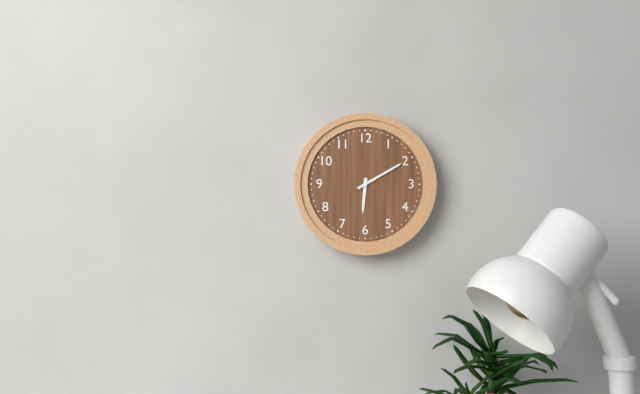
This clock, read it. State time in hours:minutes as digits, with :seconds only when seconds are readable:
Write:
6:10
